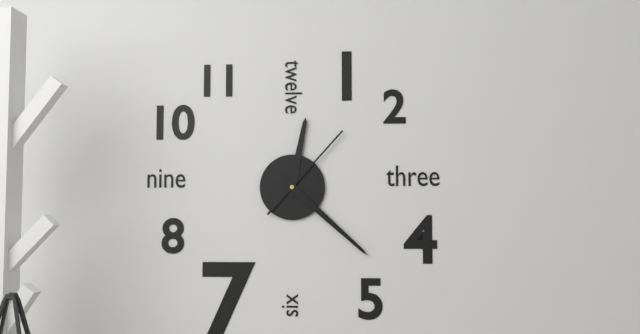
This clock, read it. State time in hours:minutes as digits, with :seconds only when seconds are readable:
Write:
12:22:07
